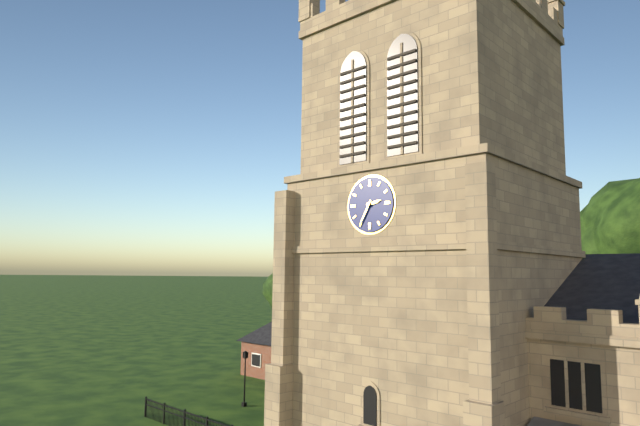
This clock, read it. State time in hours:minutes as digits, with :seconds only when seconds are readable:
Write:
2:35
